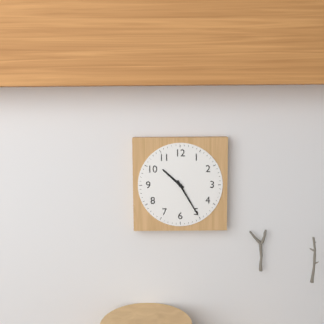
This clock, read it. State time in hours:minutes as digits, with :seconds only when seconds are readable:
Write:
10:25
